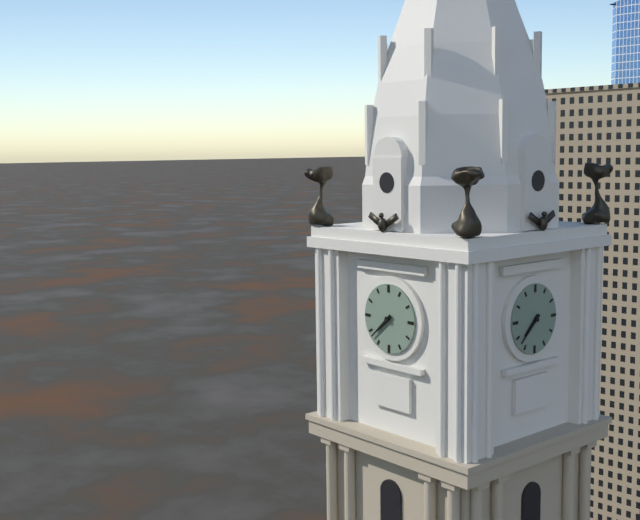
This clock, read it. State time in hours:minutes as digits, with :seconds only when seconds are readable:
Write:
7:38
